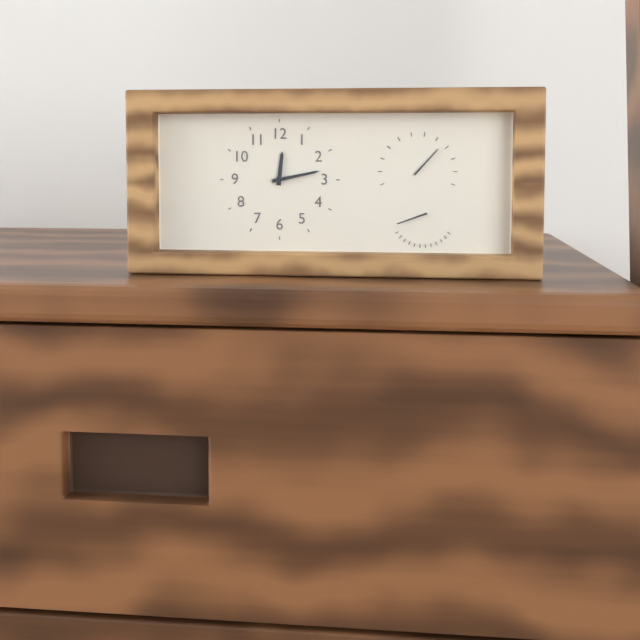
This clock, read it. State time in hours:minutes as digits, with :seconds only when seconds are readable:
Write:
12:13
